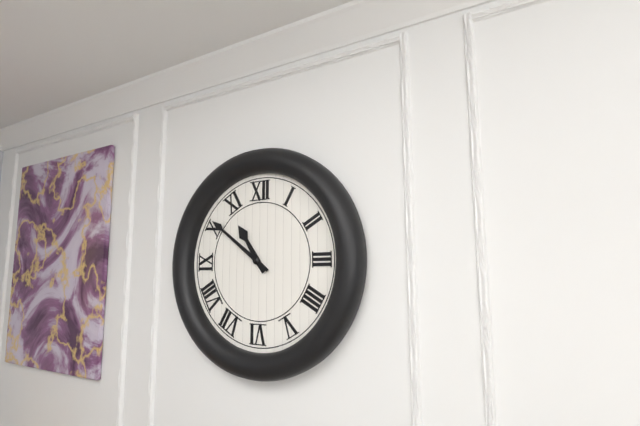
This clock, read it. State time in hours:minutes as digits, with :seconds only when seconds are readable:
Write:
10:51
